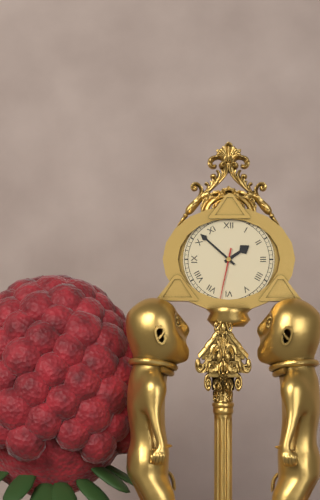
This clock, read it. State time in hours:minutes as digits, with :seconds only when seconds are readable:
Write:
1:52:32
